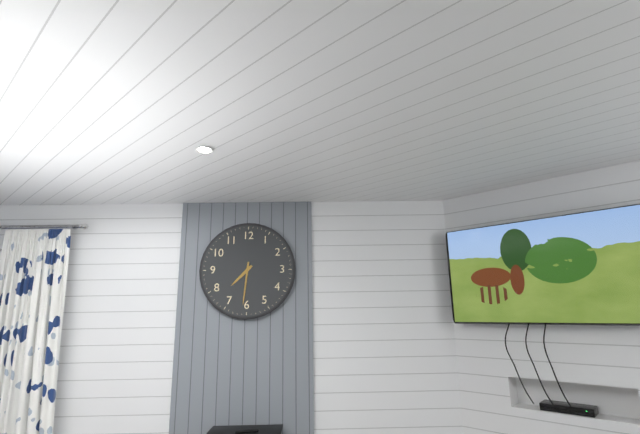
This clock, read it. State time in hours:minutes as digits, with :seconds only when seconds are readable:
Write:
7:31
